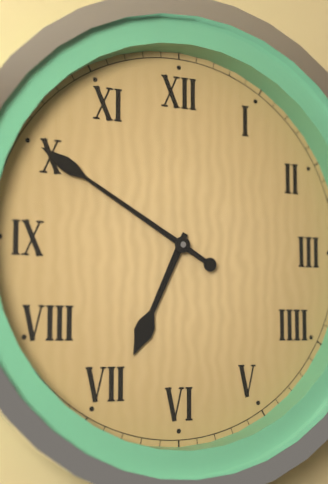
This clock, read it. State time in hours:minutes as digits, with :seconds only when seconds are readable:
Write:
6:50
